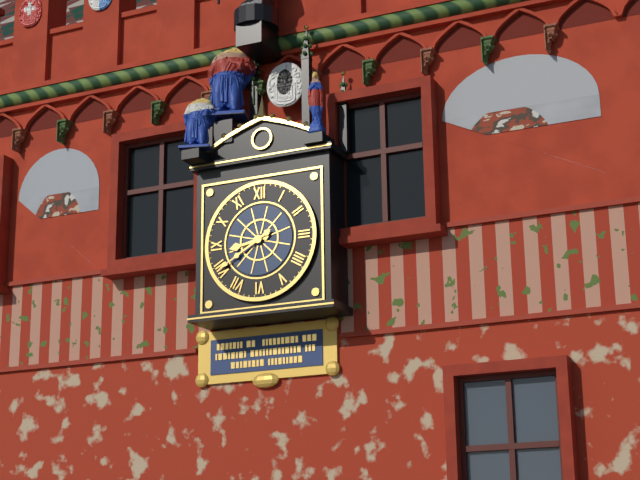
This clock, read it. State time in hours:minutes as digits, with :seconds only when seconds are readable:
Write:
8:40
